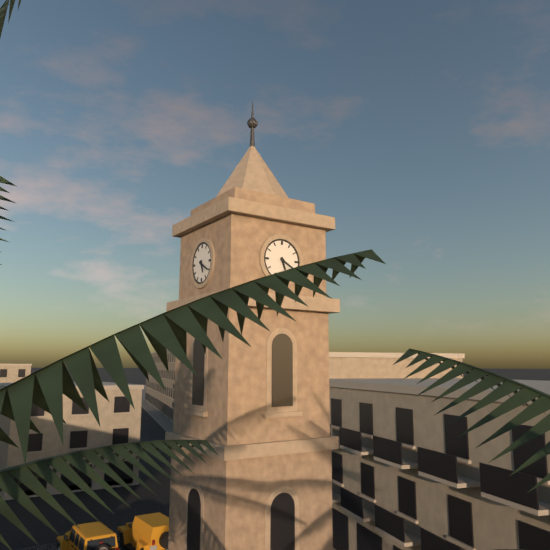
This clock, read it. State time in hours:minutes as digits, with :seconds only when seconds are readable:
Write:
5:20
